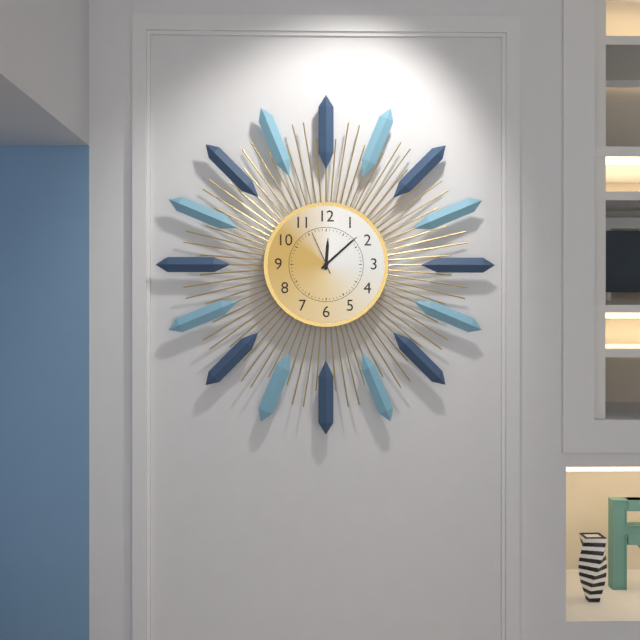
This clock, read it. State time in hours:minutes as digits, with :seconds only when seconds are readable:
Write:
12:08
